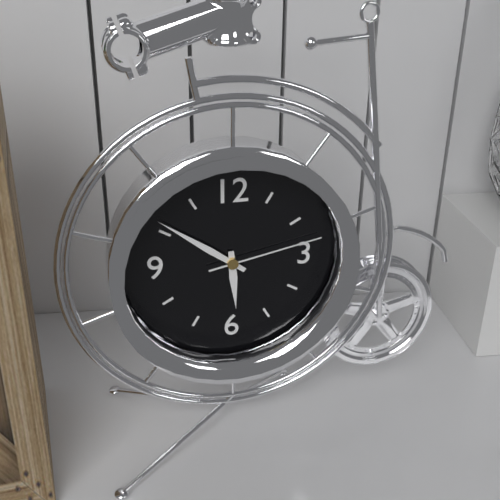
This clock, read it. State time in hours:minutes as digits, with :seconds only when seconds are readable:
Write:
5:51:13
